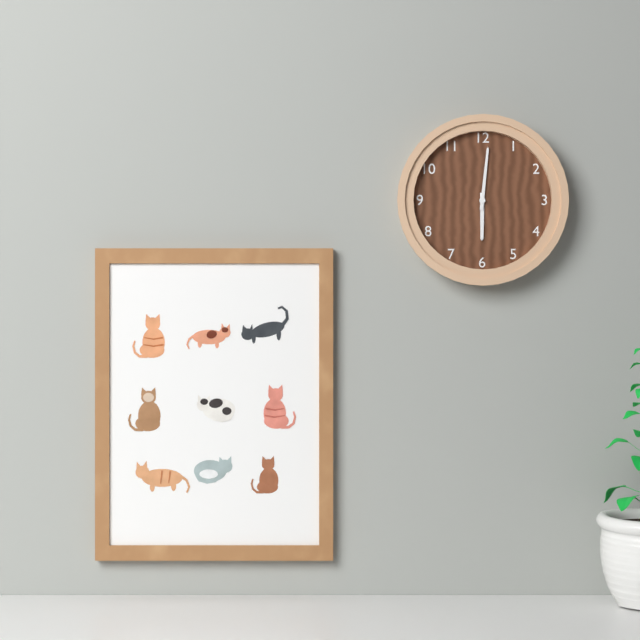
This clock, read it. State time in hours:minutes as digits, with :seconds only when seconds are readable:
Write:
6:01
